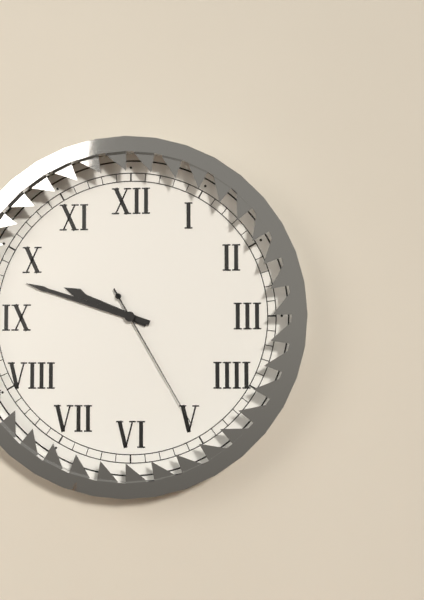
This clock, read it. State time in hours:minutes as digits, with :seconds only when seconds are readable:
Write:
9:48:25
